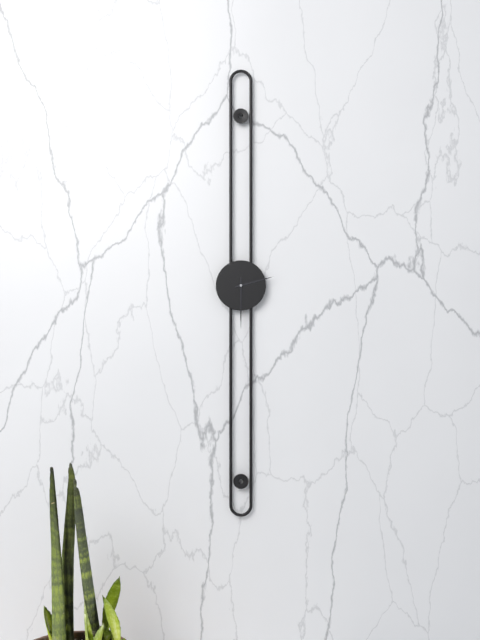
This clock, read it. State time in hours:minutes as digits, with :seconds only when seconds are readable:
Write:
2:30
